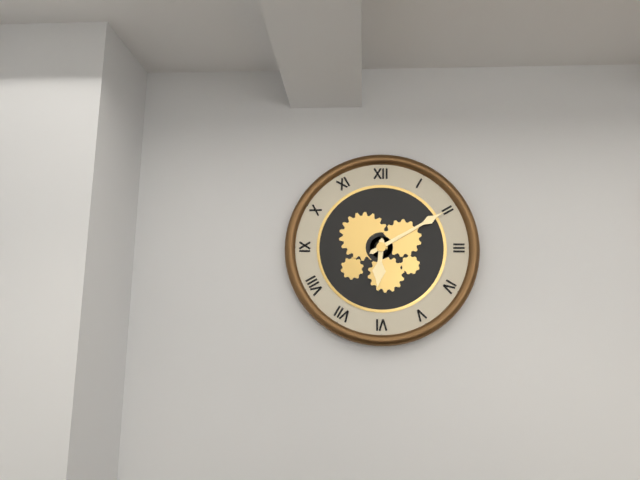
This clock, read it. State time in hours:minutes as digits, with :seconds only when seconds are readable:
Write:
6:10
